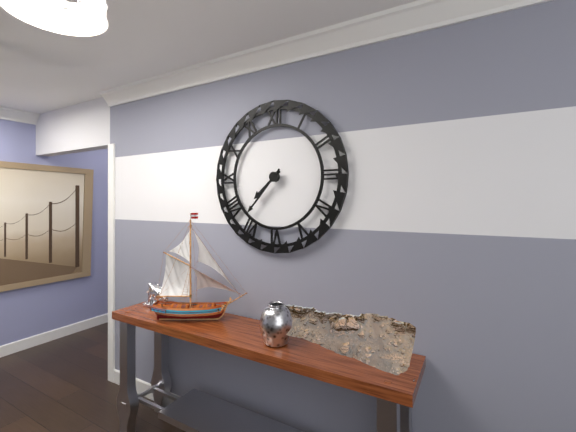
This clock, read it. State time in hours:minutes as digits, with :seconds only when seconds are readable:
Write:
7:37
